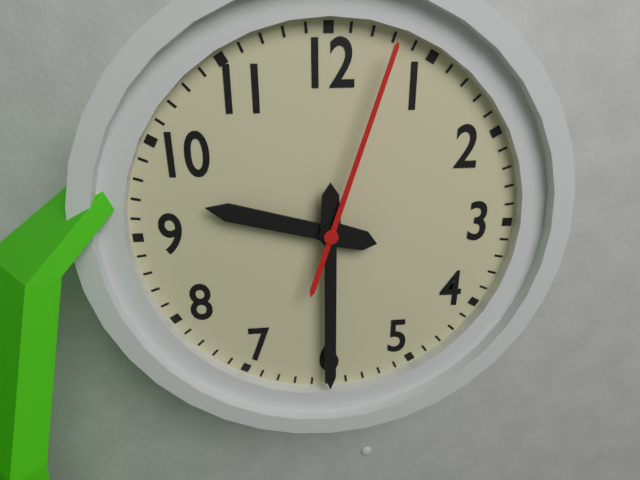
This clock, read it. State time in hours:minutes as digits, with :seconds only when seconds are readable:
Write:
9:30:03
